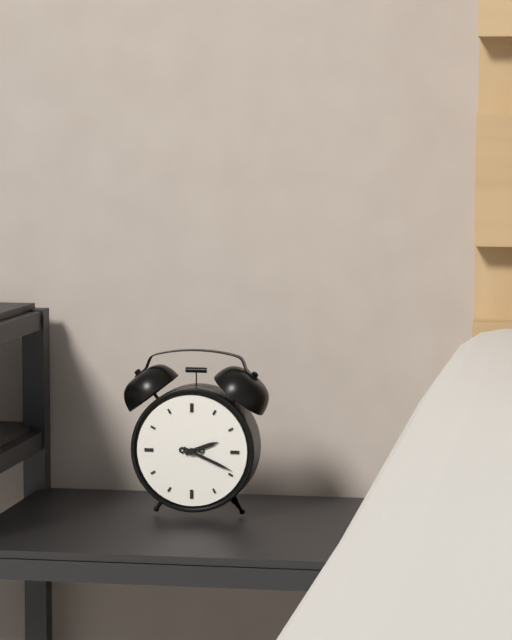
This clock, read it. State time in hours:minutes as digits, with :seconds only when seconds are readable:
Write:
2:19
